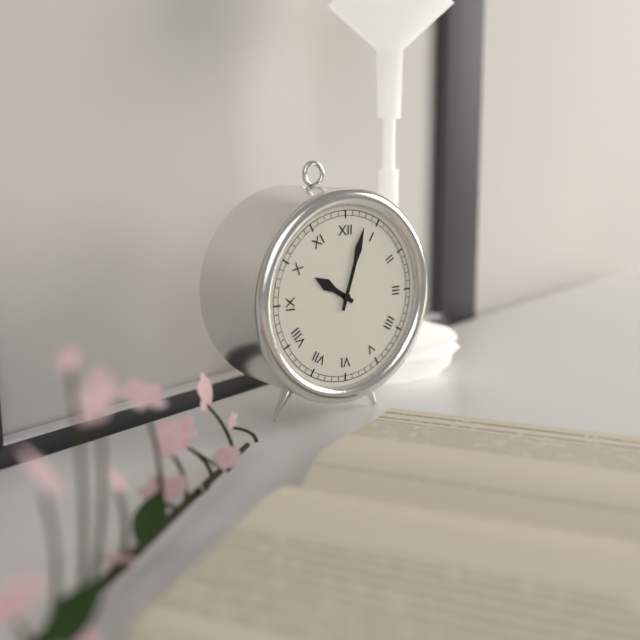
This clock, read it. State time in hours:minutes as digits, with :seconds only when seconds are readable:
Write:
10:03
